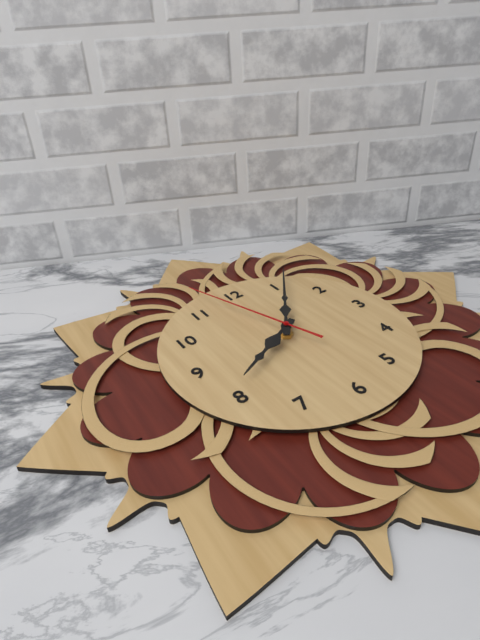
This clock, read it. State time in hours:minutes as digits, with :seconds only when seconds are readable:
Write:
8:06:57
